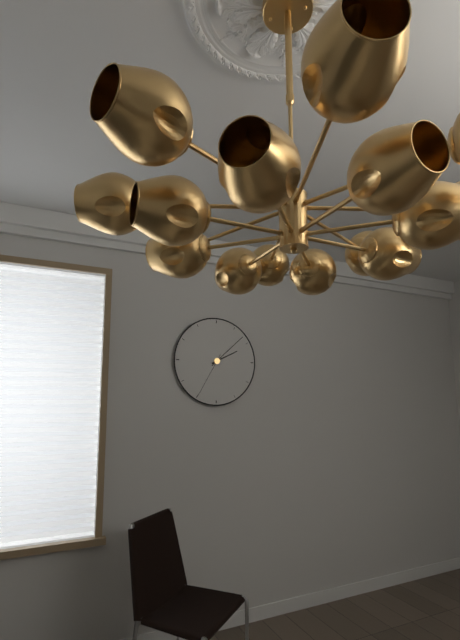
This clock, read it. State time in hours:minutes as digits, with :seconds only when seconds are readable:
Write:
2:08:35
